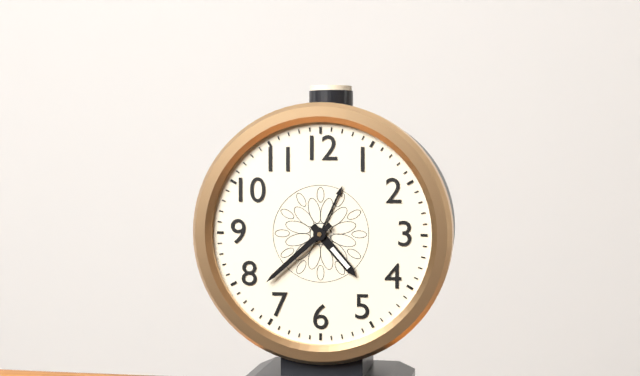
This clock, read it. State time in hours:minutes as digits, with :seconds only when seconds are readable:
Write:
4:38
